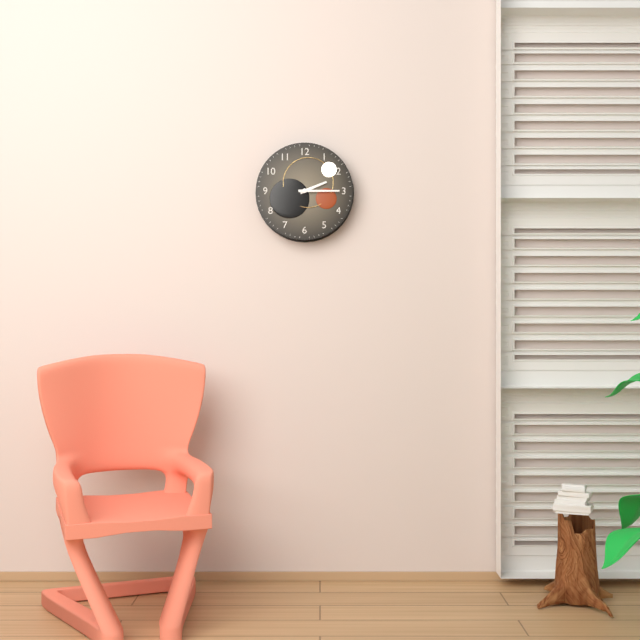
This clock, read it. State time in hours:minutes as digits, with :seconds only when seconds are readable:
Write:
2:15
